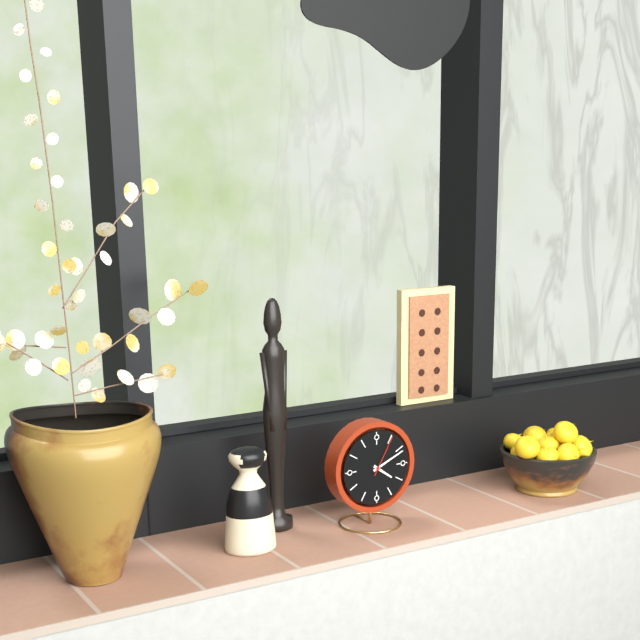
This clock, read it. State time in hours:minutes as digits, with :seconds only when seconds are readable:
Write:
4:11
